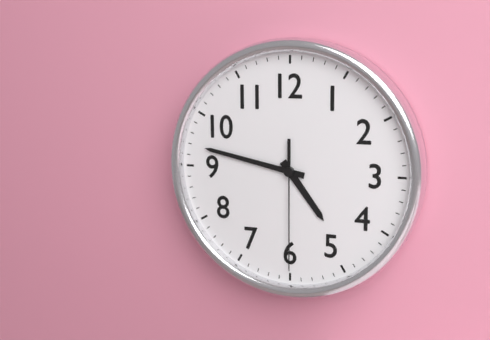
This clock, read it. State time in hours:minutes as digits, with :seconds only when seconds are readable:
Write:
4:47:30
